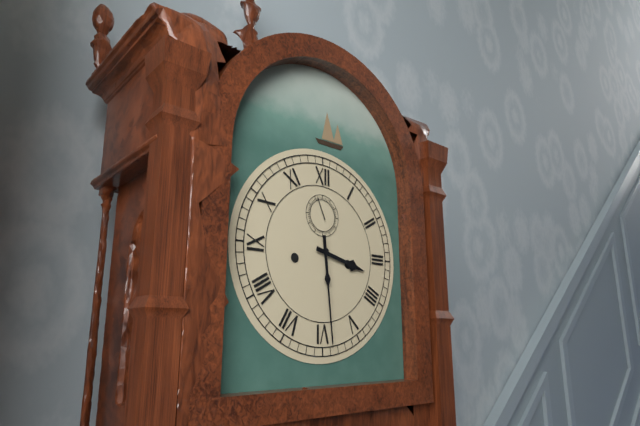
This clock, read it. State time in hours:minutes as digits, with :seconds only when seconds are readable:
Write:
3:29
